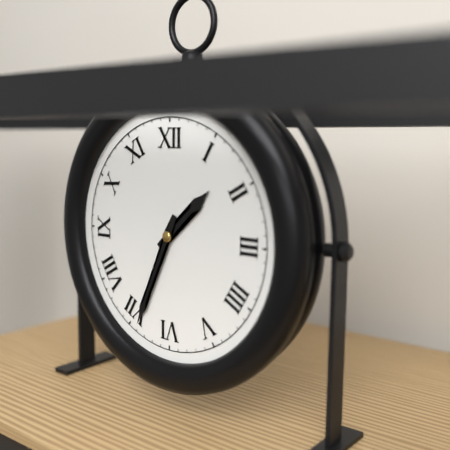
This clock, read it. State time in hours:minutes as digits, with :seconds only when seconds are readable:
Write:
1:34
